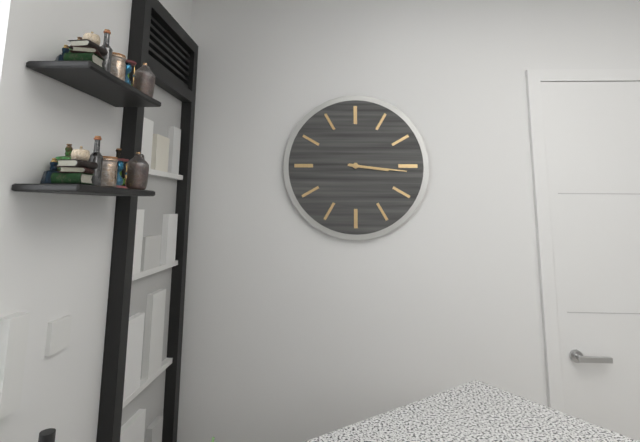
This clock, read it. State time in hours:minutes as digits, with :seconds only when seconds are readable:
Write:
3:16
